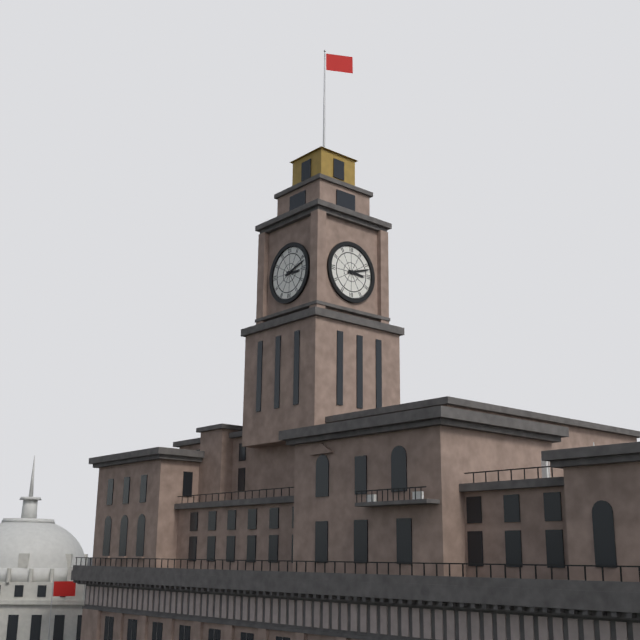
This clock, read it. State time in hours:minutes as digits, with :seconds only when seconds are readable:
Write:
3:12
